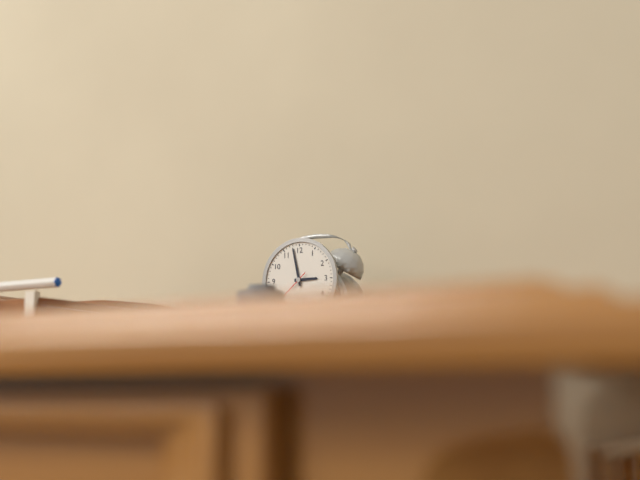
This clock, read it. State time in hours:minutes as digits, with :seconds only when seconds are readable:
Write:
2:58
